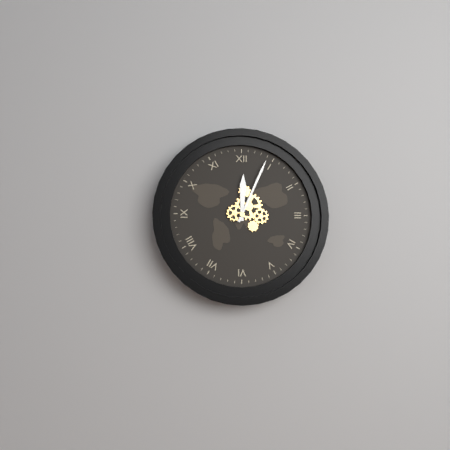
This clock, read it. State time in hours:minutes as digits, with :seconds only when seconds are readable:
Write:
12:04
